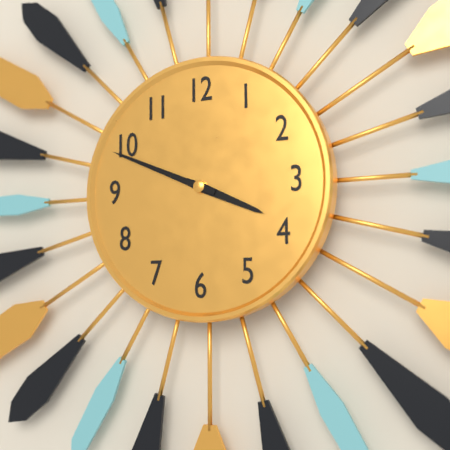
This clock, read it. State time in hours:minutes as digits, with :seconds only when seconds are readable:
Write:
3:49
